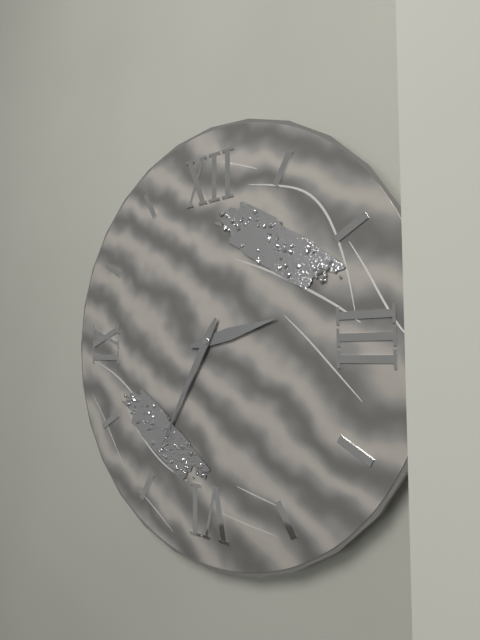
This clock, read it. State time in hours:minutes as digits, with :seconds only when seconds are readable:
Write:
2:35
